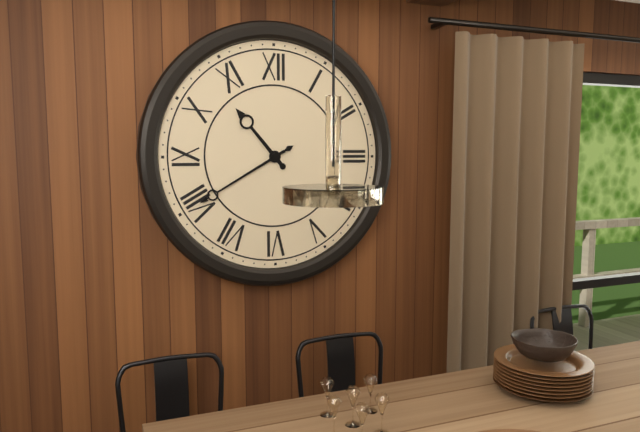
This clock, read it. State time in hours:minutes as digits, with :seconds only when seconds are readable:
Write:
10:40
